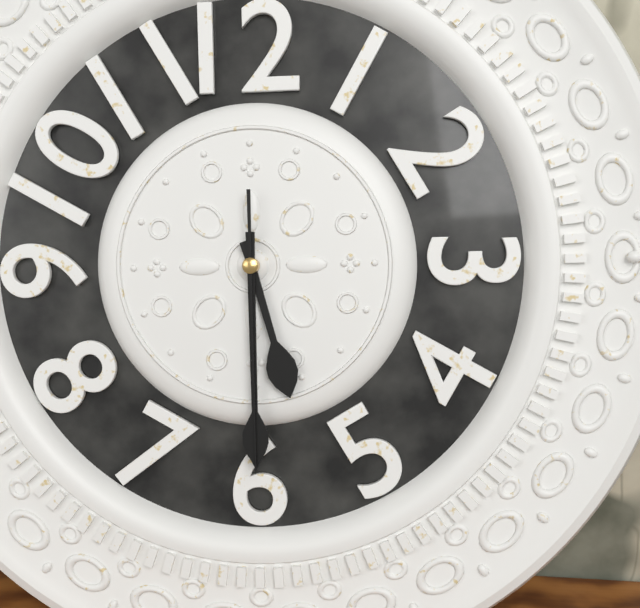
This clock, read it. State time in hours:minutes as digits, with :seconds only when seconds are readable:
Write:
5:30:30
